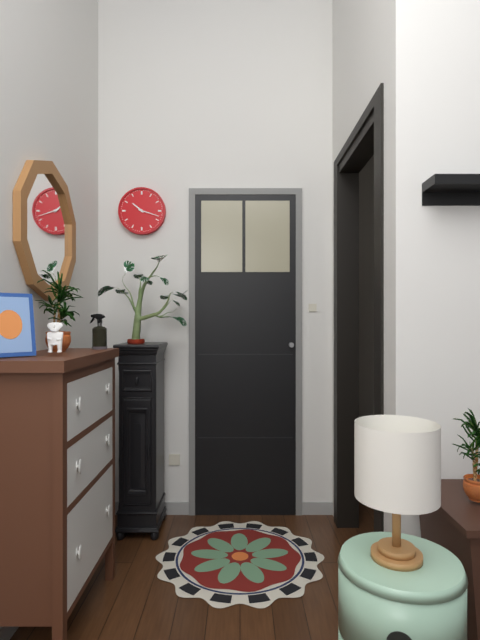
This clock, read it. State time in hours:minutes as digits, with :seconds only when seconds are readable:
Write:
10:18
